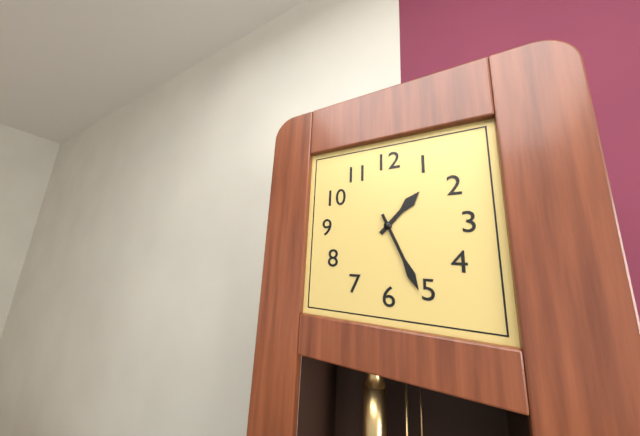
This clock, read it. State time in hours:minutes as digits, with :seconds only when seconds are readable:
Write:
1:26
